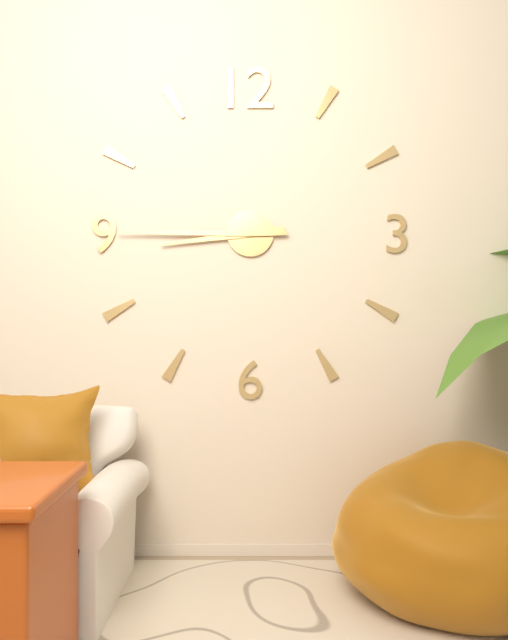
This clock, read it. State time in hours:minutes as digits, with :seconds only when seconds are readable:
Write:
8:45
